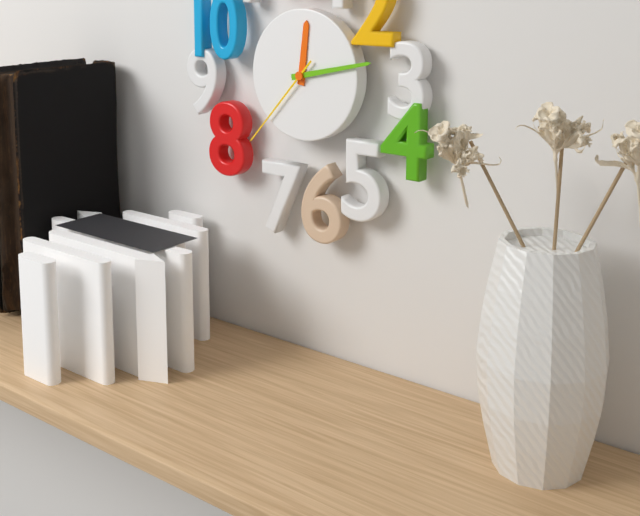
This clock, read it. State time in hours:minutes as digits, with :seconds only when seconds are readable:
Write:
12:13:37
